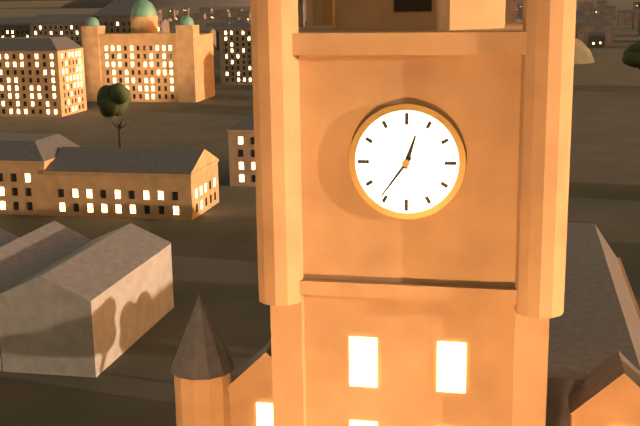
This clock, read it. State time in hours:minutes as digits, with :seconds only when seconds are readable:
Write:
12:36
